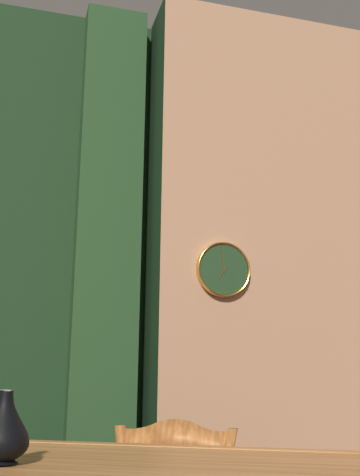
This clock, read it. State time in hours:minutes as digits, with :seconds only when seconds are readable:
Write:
6:59
